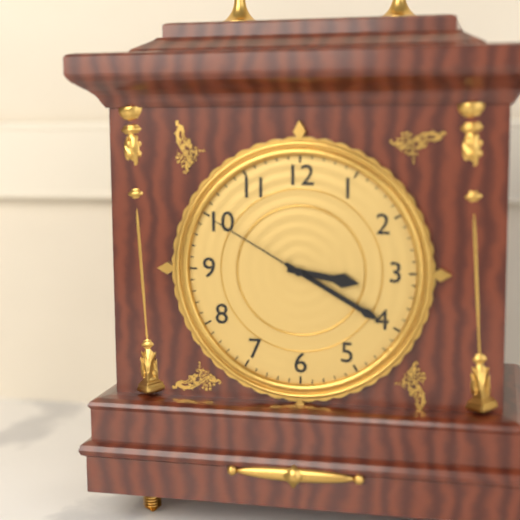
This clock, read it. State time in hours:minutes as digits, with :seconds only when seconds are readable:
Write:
3:20:50
